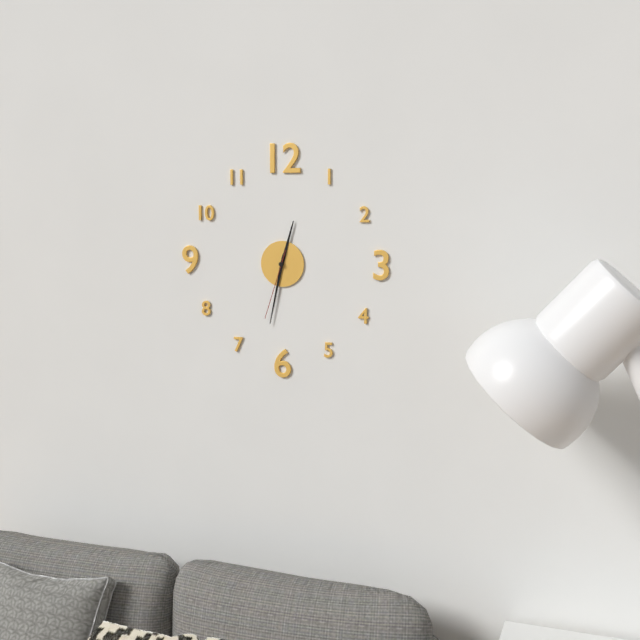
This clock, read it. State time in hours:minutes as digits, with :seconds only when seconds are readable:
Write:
12:32:33
